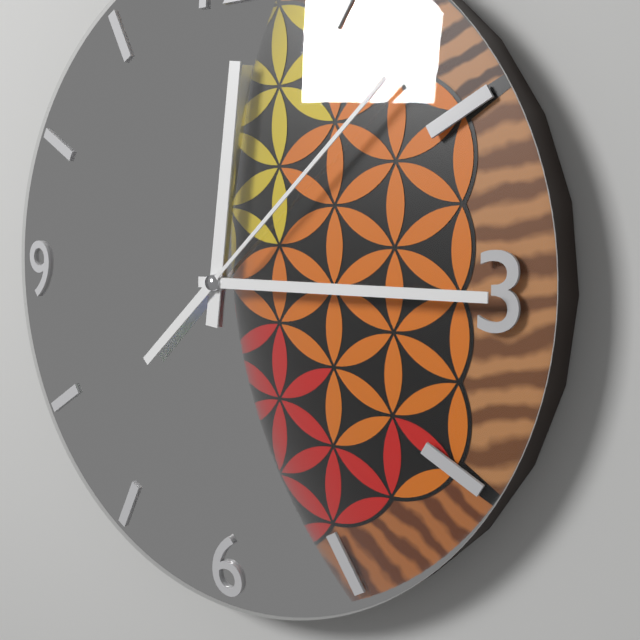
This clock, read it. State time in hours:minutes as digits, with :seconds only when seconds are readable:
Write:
12:15:08
